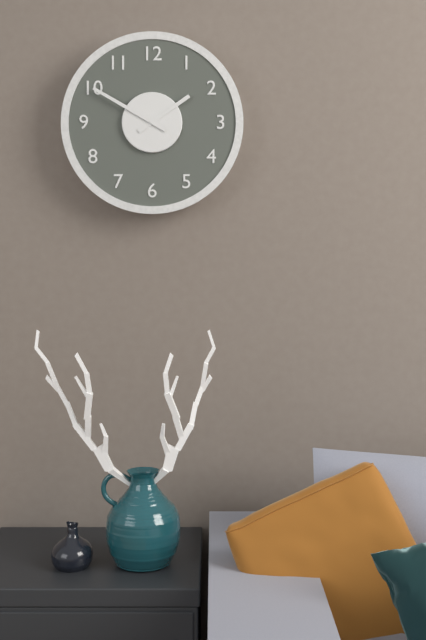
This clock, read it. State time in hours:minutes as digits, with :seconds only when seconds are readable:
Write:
1:50
